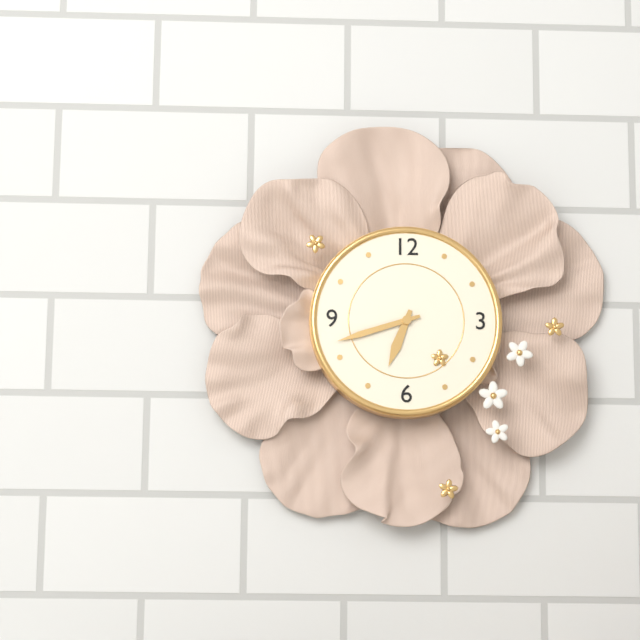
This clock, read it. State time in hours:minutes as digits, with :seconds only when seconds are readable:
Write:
6:42
